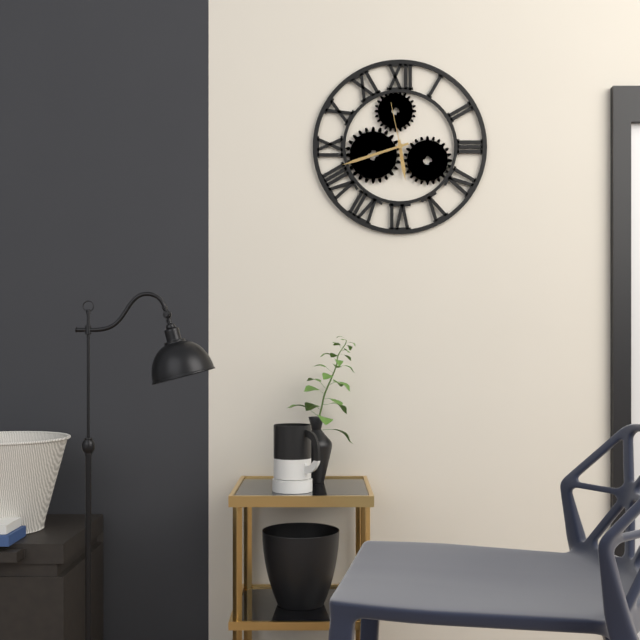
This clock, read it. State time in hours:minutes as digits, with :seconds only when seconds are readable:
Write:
5:42:58
